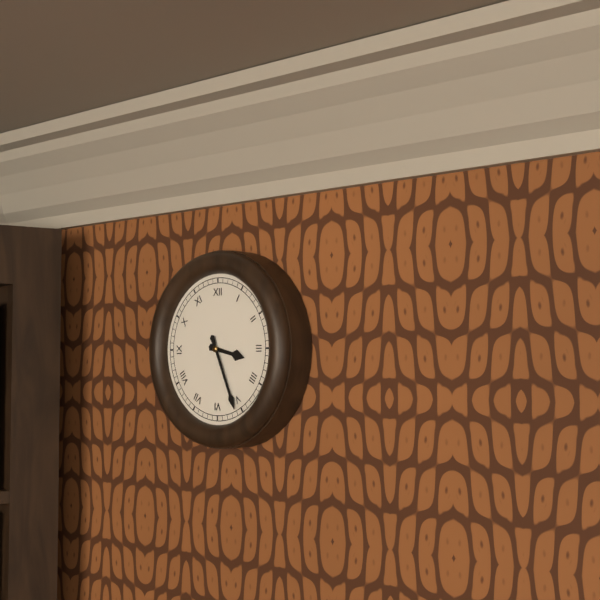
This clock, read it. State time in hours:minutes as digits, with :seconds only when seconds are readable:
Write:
3:26
